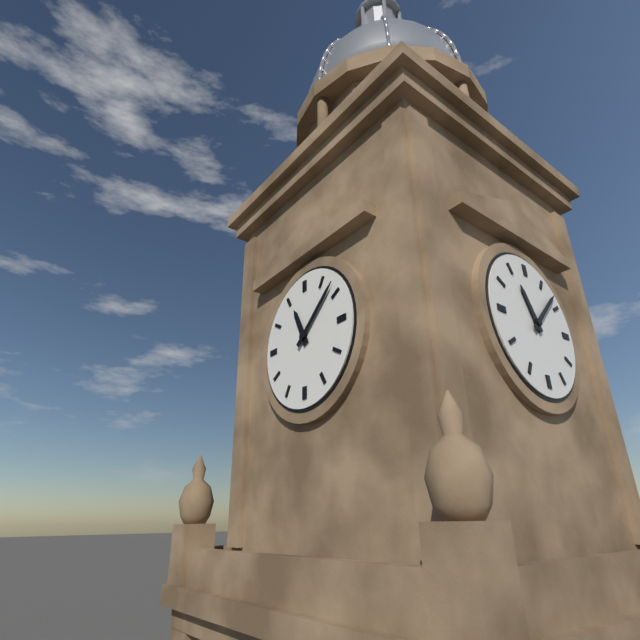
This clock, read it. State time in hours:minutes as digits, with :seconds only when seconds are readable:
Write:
11:08
